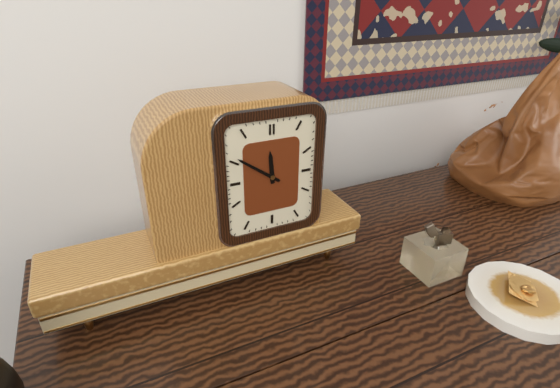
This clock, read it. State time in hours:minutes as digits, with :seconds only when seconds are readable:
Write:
11:51
